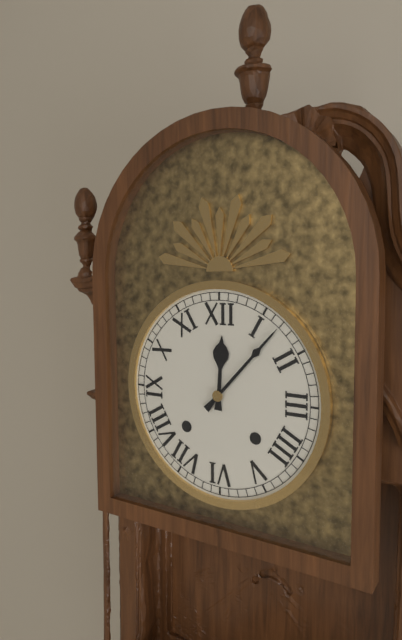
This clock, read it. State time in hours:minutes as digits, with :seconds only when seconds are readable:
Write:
12:07
